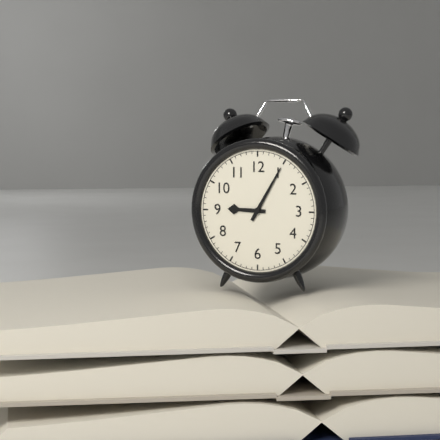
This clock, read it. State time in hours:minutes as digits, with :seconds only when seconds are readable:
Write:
9:05
